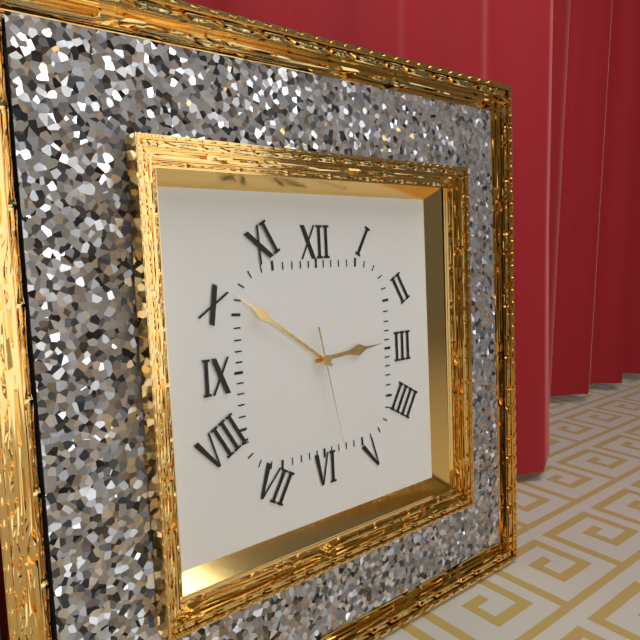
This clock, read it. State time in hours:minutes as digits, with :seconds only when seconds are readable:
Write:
2:51:28
